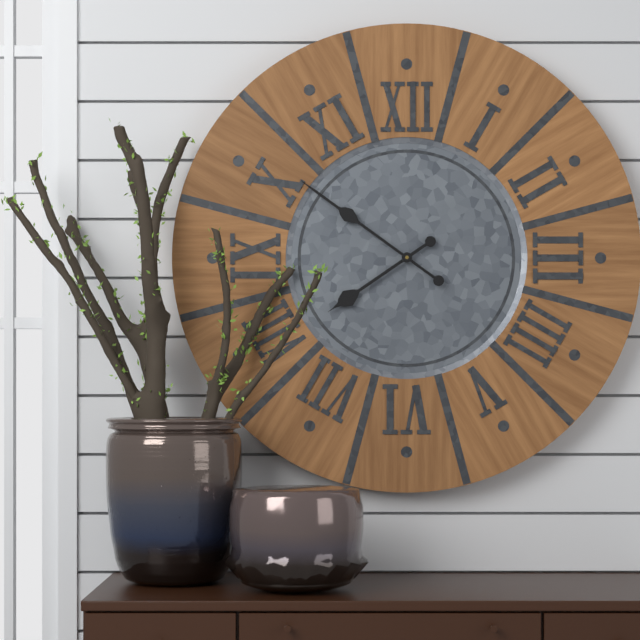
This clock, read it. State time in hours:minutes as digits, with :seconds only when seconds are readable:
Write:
7:51
